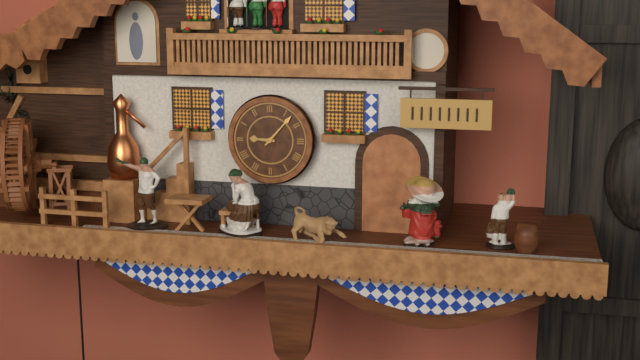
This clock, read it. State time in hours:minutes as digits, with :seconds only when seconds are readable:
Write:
9:07
